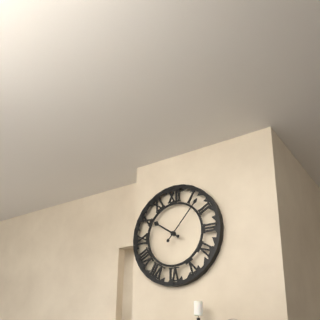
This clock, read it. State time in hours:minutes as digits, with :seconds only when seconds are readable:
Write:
10:07
